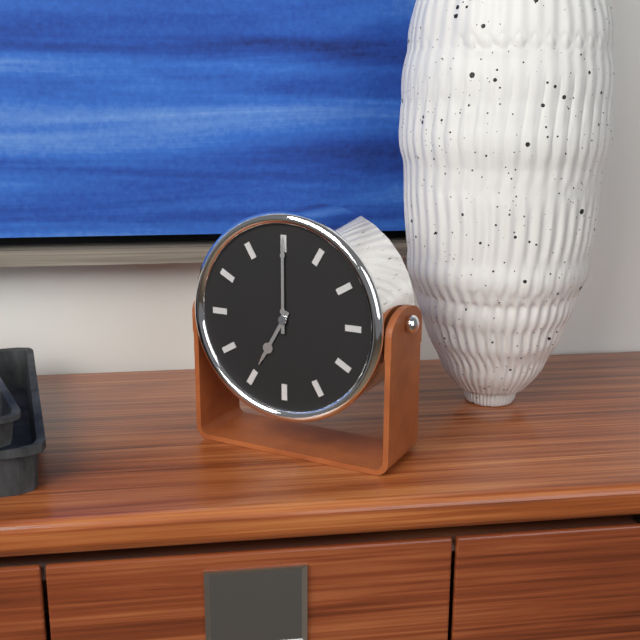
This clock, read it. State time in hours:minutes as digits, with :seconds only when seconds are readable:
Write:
7:00
